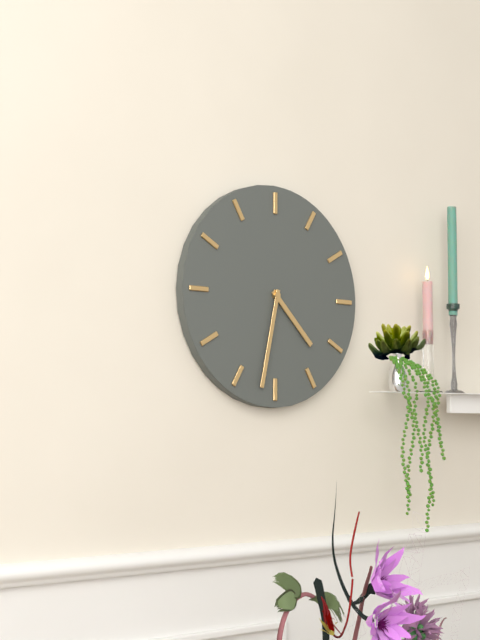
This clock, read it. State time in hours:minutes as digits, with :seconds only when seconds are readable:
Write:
4:32
